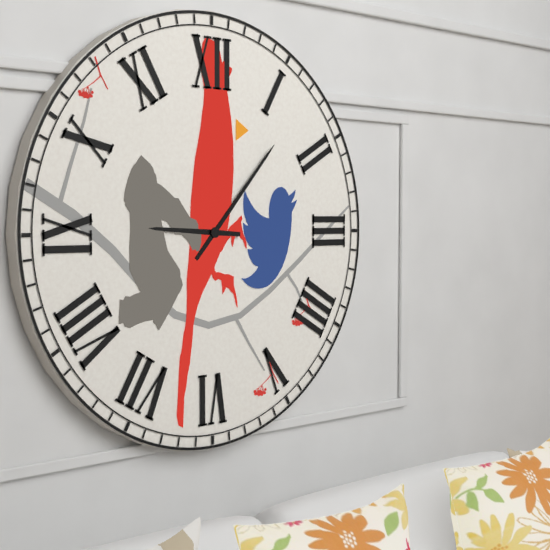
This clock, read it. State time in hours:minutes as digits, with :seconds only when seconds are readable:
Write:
9:07
